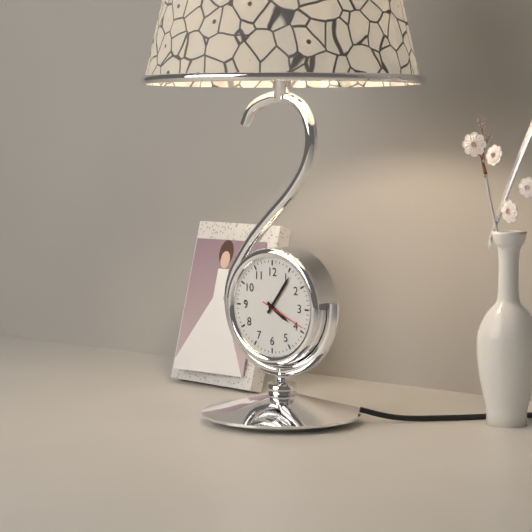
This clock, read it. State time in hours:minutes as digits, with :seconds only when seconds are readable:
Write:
4:06
